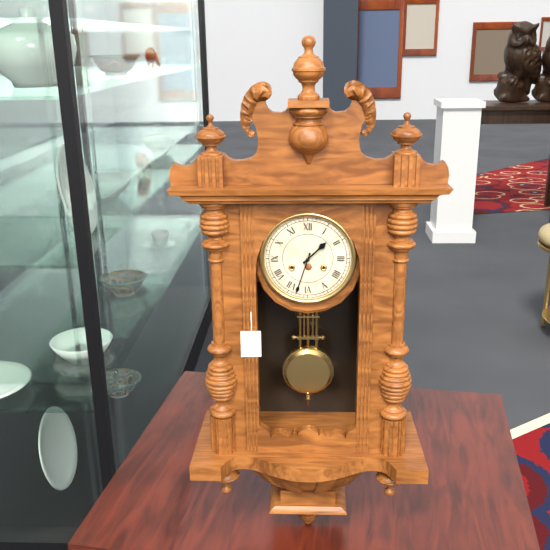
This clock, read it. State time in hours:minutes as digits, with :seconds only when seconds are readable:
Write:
1:33
